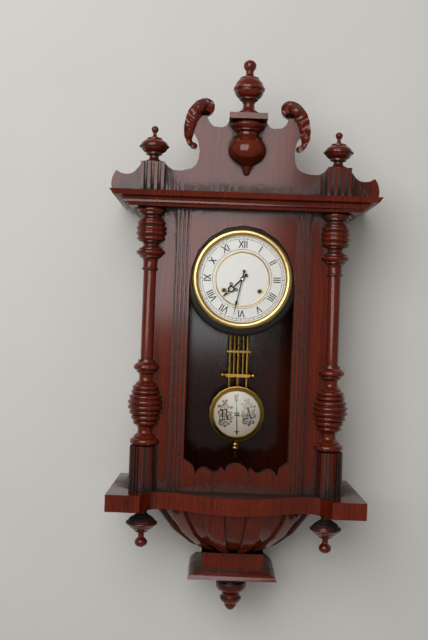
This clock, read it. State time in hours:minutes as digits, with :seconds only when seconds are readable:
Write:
7:32
